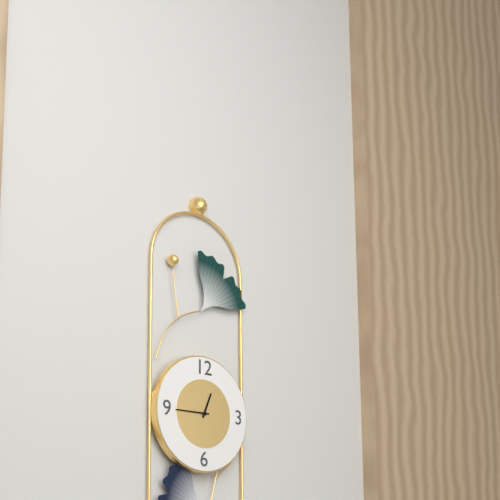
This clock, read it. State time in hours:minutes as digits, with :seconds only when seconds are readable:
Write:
12:45
